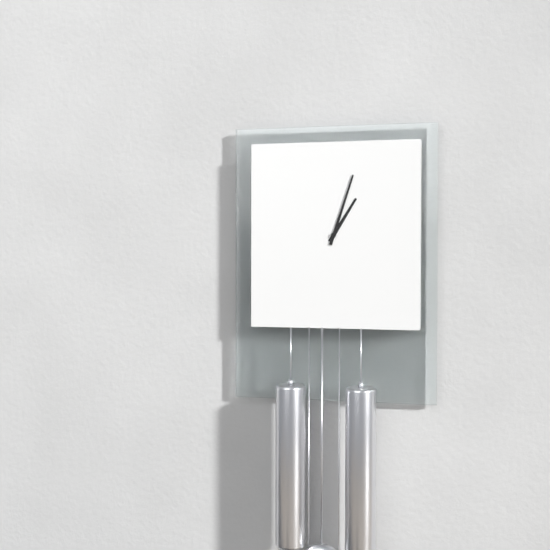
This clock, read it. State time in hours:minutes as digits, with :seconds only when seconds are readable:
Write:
1:03
